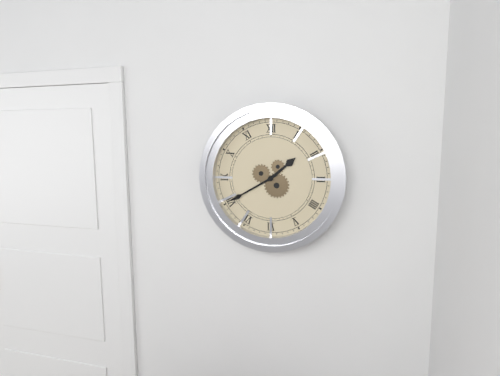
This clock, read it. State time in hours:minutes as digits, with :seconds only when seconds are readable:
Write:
1:40
